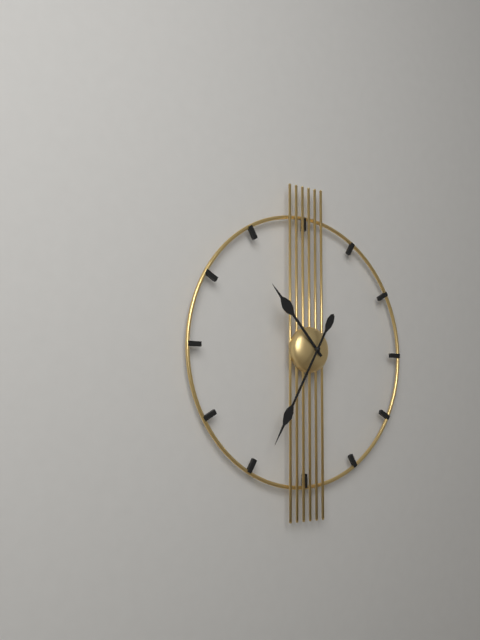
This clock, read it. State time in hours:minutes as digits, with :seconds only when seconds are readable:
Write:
10:35
